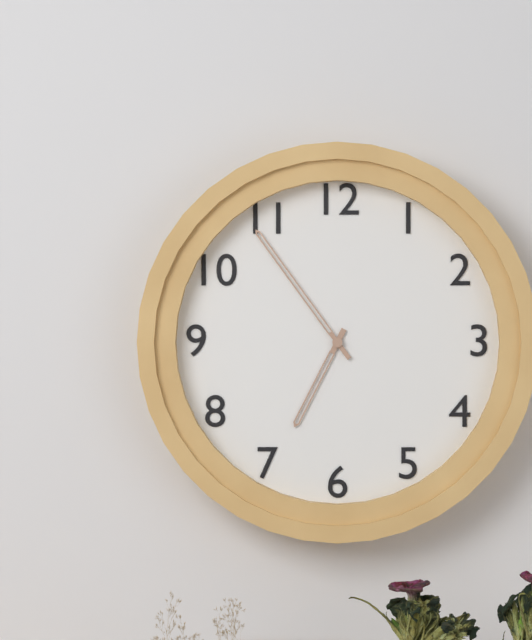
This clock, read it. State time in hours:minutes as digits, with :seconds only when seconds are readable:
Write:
6:54
